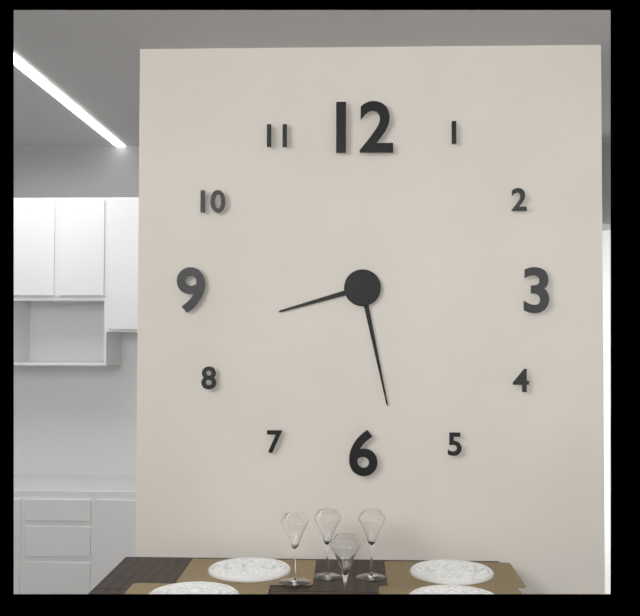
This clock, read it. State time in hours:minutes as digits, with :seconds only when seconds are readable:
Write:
8:28
